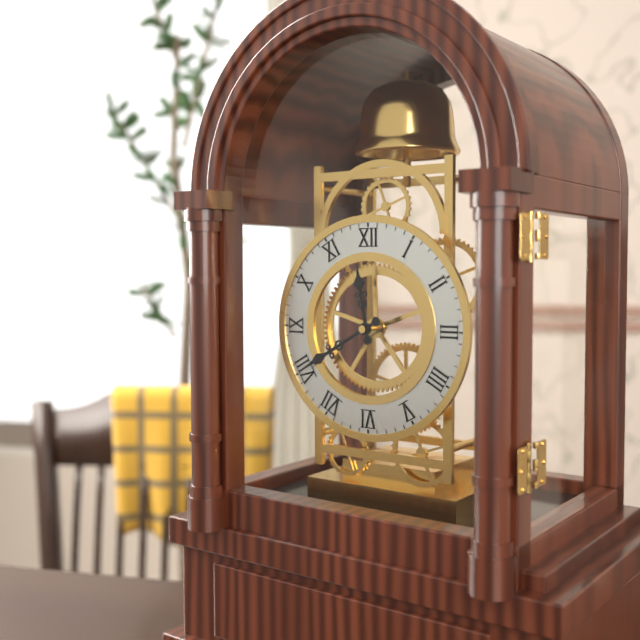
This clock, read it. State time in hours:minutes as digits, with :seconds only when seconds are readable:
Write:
11:40
